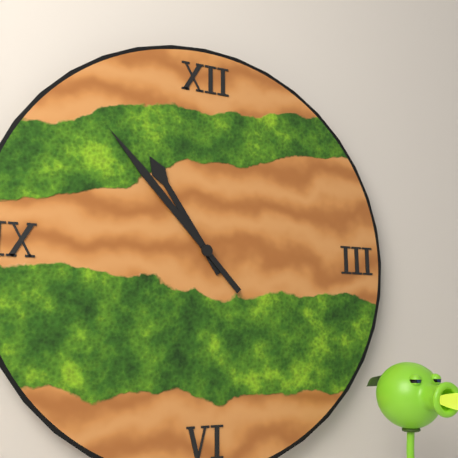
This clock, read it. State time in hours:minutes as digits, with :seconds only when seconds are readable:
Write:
10:53
